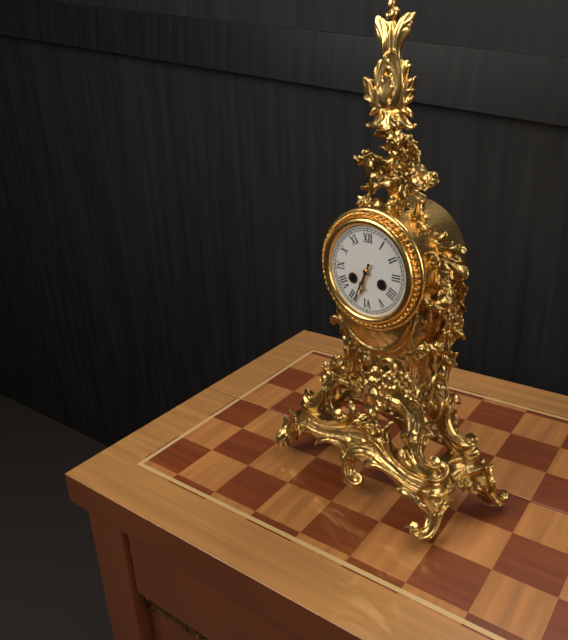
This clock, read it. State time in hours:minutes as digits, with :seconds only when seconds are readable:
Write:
6:34
